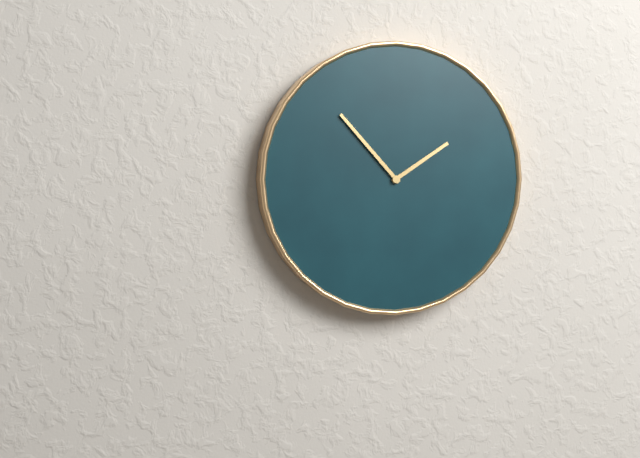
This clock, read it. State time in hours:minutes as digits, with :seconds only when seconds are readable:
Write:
1:53
